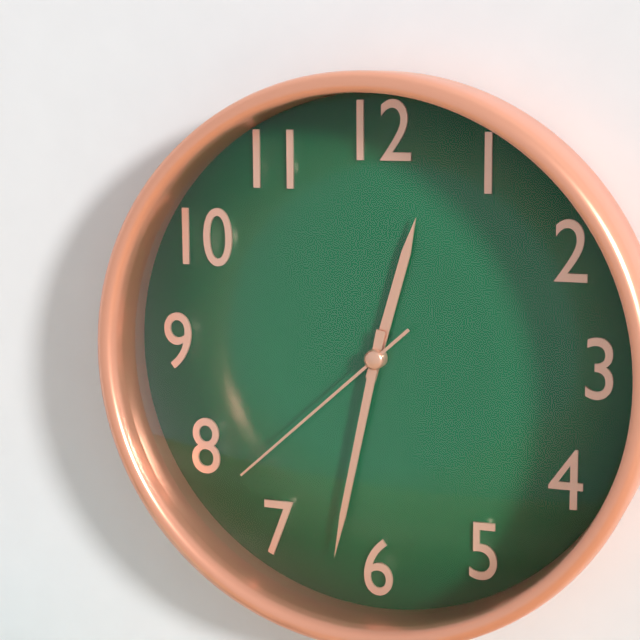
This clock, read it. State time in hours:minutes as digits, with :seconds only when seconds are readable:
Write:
12:32:38
